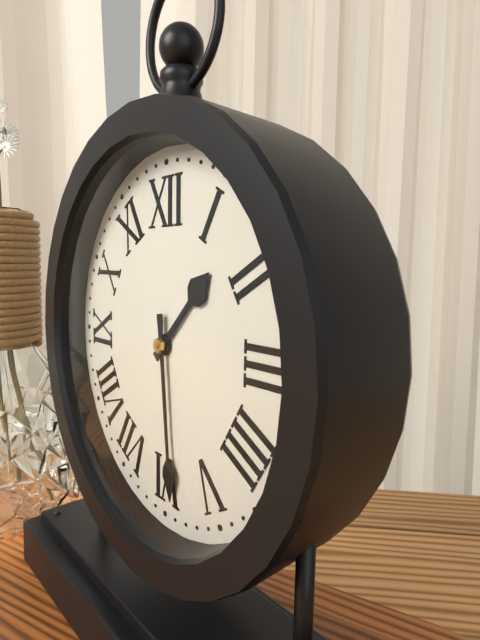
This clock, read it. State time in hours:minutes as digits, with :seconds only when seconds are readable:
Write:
1:29
